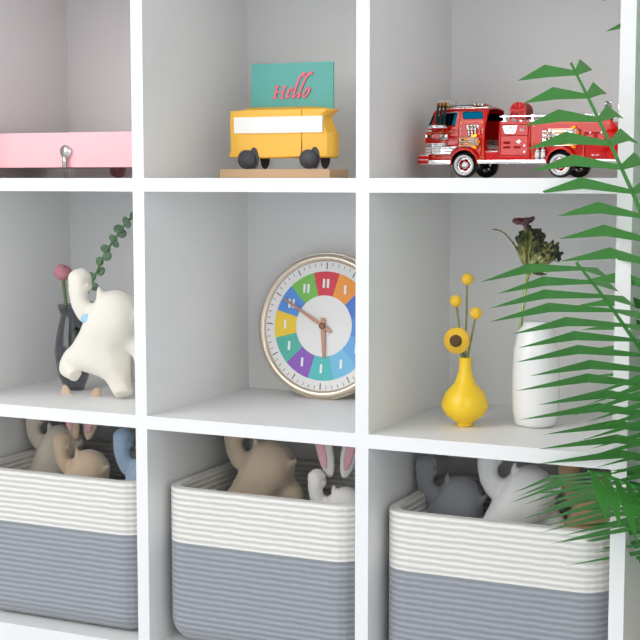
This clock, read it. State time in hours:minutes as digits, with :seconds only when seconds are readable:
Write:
5:50
